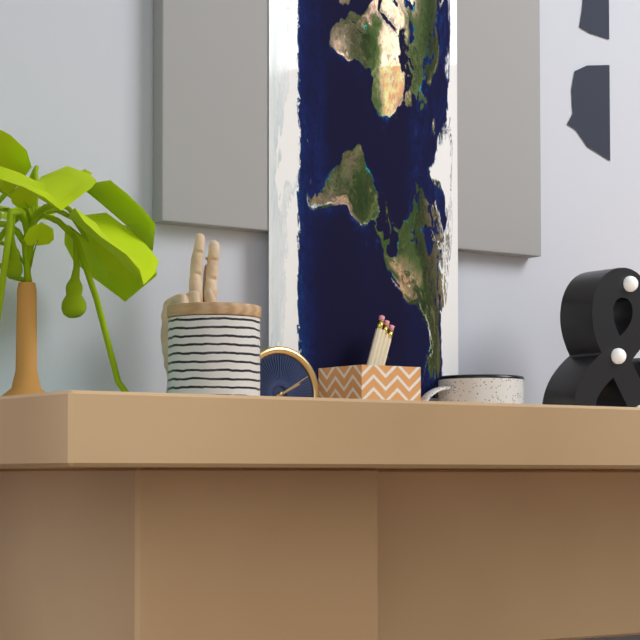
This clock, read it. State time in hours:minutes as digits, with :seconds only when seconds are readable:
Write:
2:10
